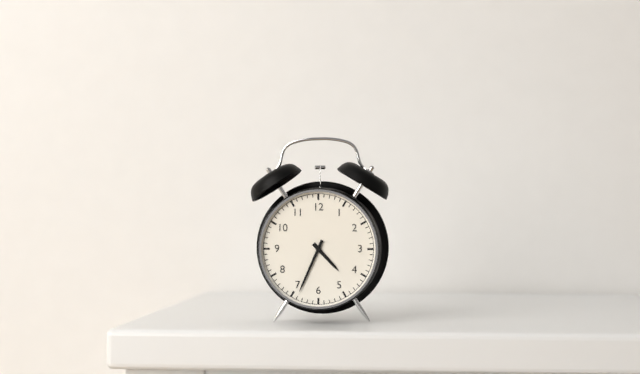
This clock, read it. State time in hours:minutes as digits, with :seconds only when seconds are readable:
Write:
4:34
